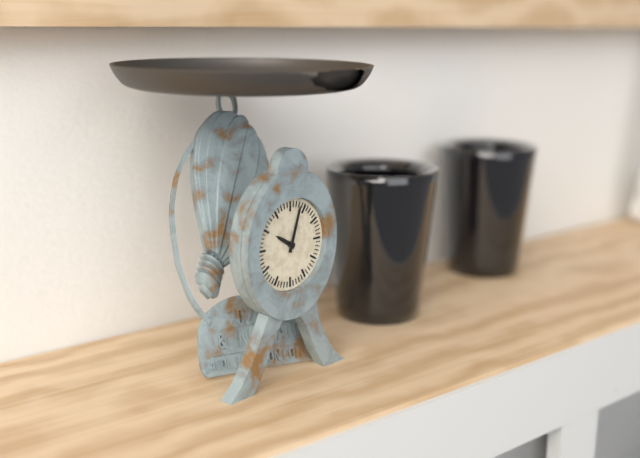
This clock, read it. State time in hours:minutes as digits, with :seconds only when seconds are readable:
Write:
10:03
